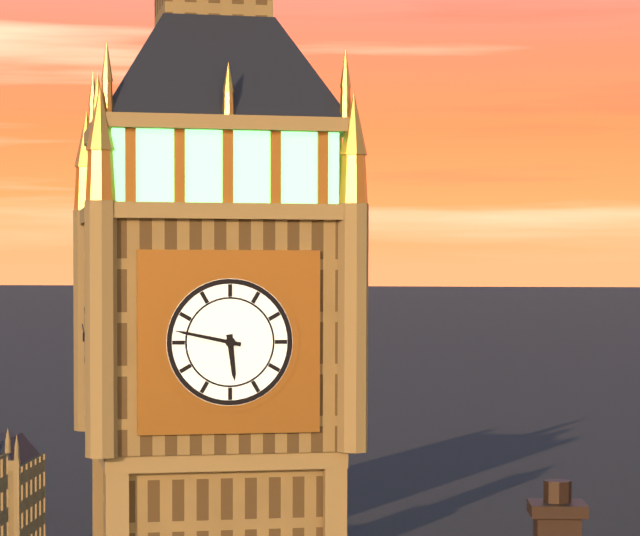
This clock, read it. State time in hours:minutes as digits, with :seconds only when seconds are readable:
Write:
5:47
